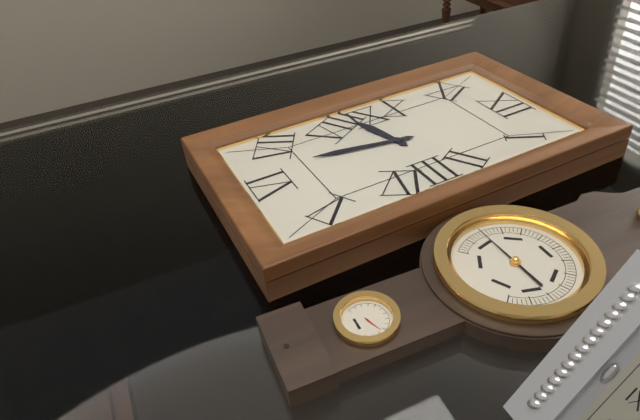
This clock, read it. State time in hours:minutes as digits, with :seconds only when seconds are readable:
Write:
8:32
